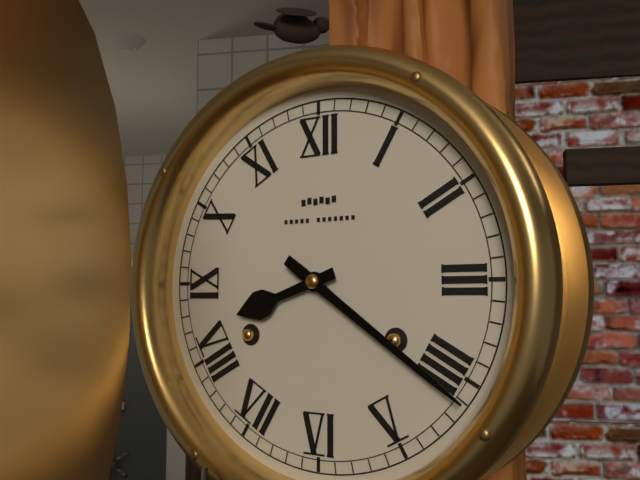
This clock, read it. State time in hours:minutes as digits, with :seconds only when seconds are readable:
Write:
8:21
